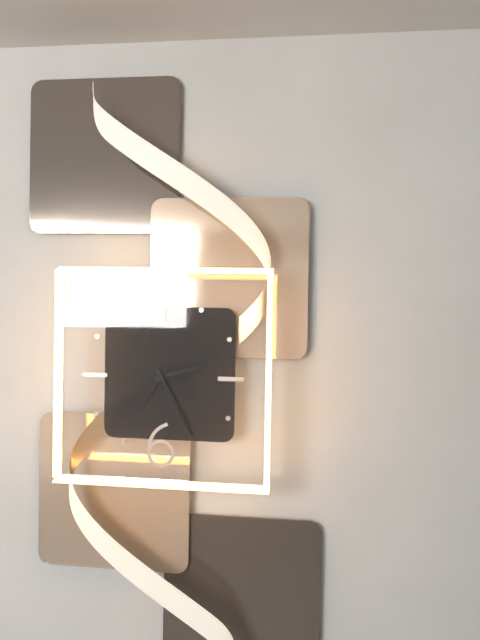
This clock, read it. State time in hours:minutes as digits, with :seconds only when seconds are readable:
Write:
2:25:35
